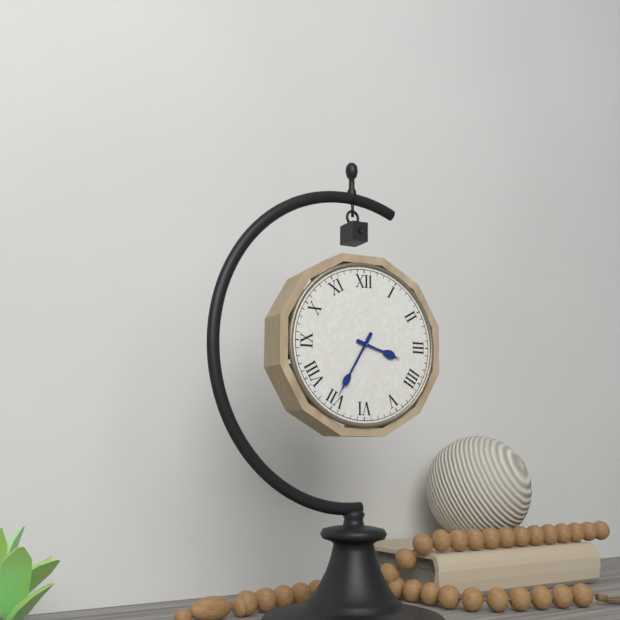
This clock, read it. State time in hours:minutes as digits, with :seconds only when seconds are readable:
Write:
3:35
